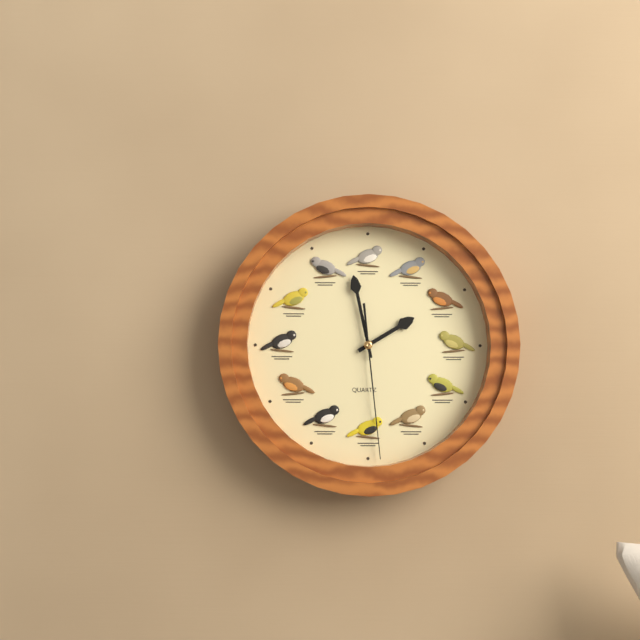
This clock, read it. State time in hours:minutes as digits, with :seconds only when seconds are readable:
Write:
1:58:29
